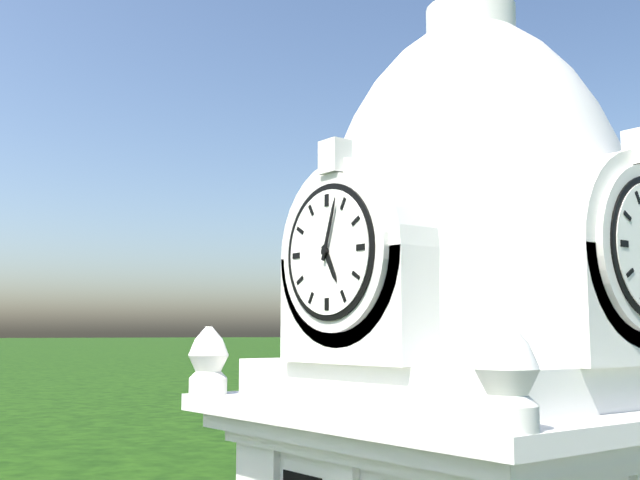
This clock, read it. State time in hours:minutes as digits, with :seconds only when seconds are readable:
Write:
5:03
